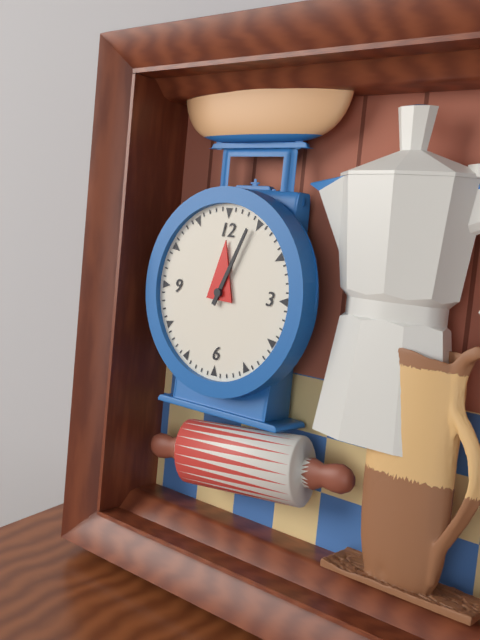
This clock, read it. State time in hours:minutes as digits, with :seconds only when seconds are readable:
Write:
12:04
